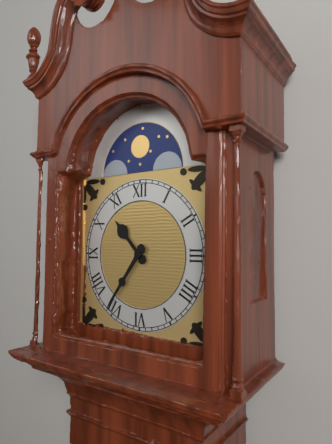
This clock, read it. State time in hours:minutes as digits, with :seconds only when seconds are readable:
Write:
10:36
